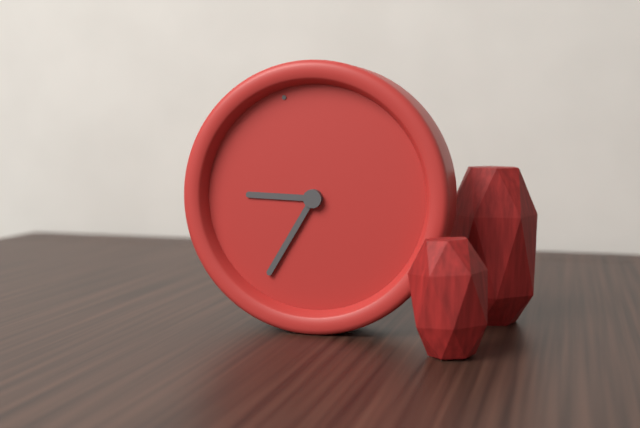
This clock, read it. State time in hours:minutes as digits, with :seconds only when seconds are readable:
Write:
9:38
